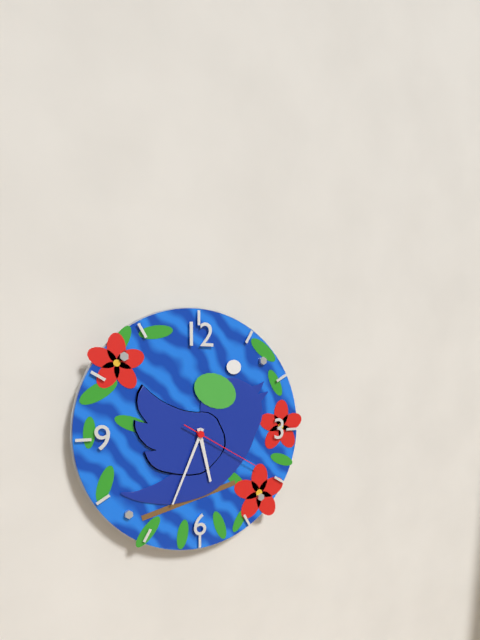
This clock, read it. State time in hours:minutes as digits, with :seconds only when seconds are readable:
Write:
5:34:20
